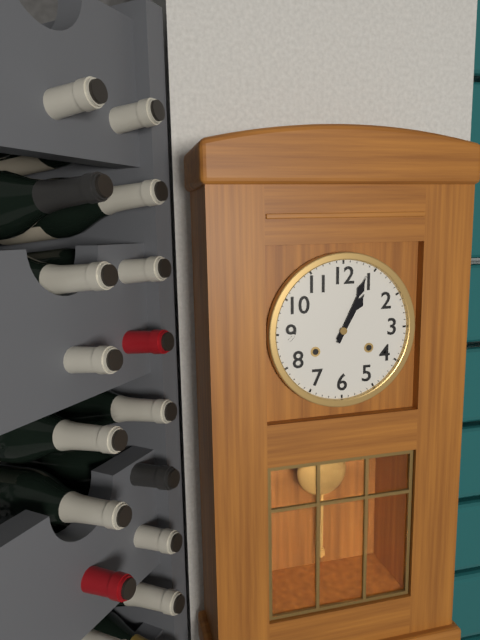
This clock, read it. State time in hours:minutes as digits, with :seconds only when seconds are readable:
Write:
1:04
